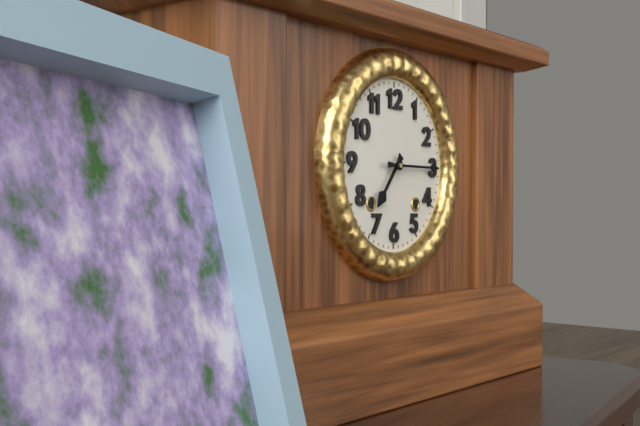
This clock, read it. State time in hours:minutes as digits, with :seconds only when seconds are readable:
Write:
7:15
